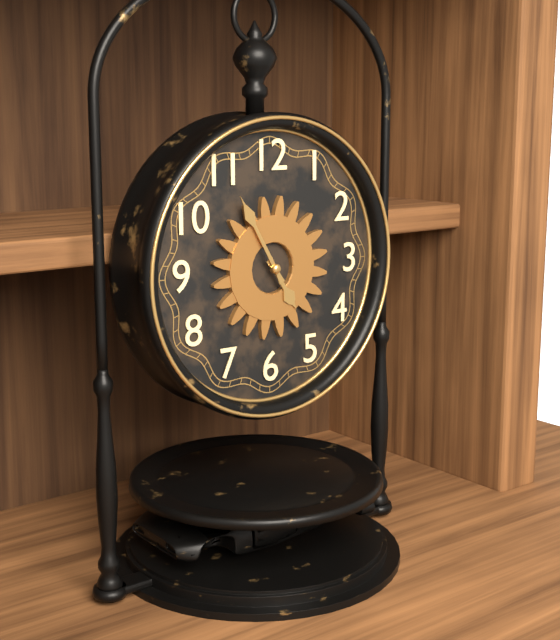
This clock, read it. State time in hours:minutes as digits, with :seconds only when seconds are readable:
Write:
4:55
